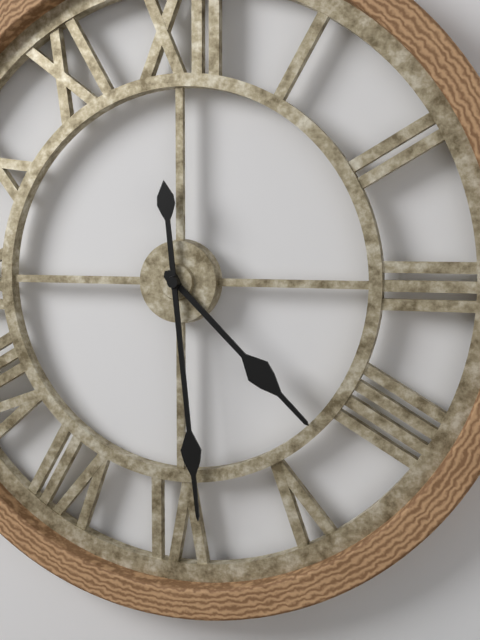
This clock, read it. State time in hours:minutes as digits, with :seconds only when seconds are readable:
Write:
4:29
